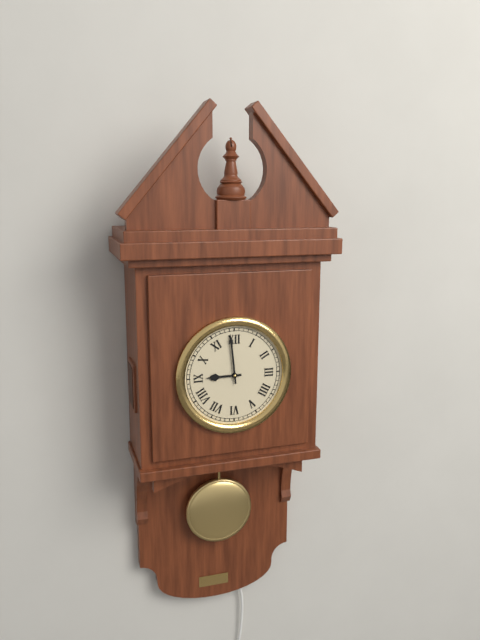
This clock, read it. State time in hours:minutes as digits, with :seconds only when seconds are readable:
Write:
8:59
